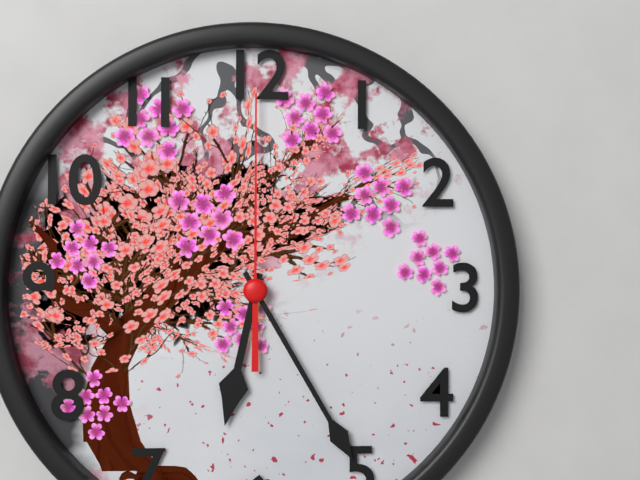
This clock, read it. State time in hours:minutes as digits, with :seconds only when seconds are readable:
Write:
6:25:00
